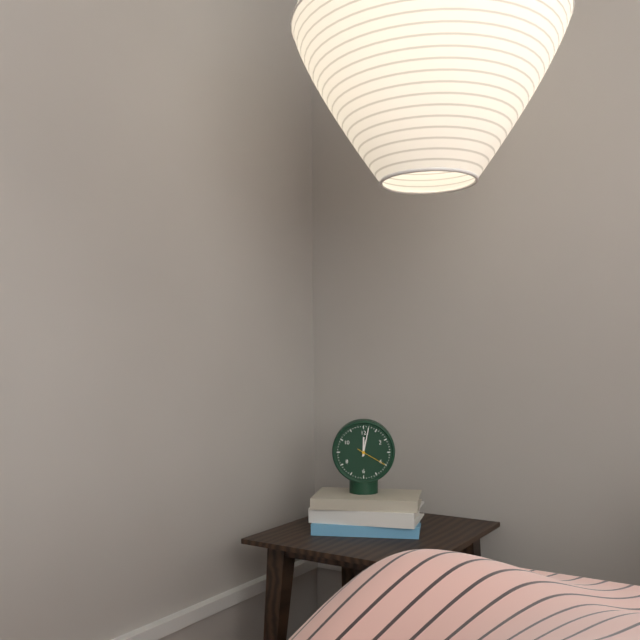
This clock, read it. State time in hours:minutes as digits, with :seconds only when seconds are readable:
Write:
12:02
